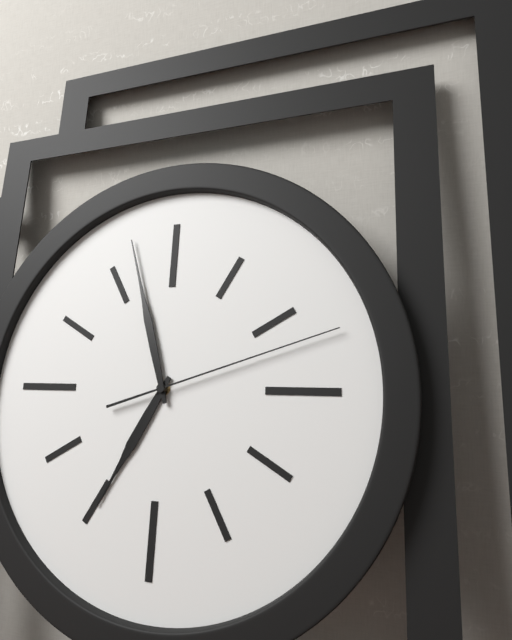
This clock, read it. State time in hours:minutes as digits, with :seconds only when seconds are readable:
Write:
6:57:12
